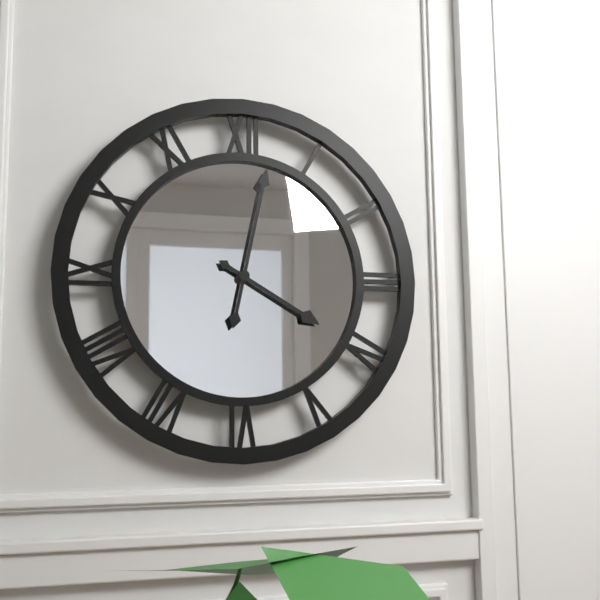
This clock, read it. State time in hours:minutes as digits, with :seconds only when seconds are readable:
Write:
4:02
